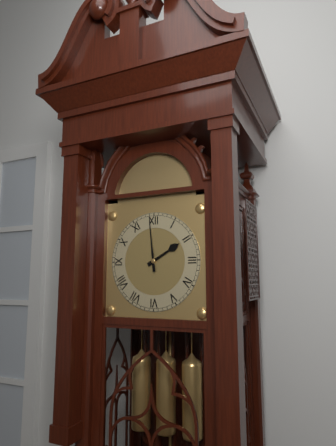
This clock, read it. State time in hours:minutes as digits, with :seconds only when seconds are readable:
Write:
1:59
